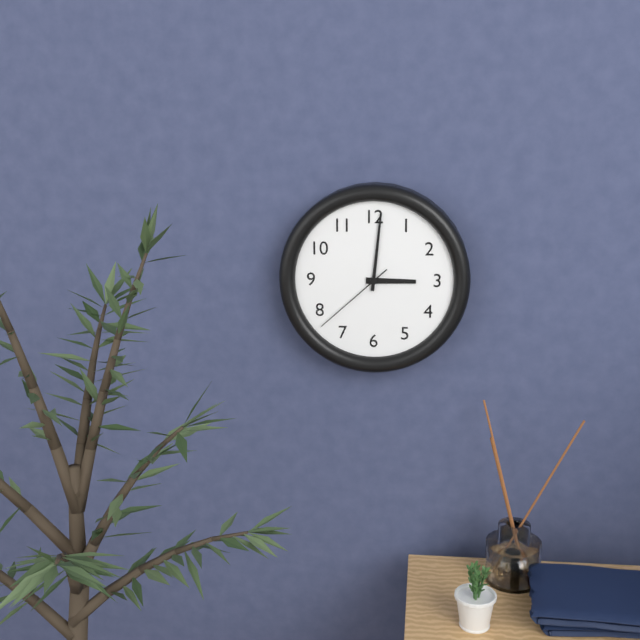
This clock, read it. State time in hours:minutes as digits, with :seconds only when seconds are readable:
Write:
3:01:38
